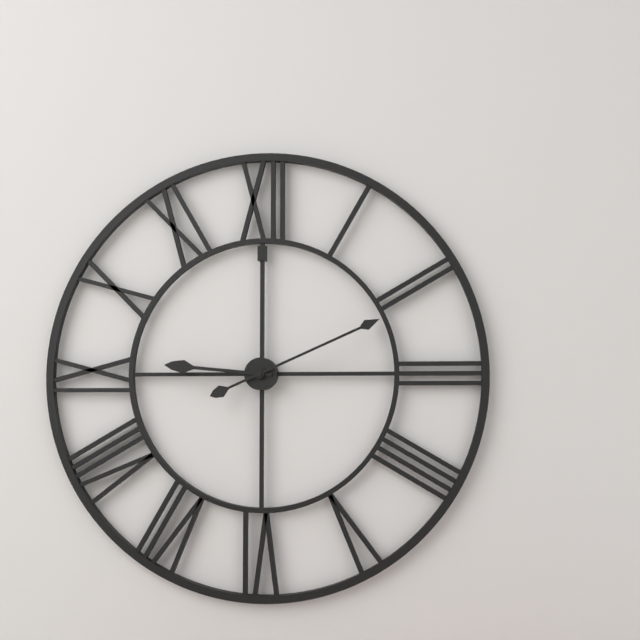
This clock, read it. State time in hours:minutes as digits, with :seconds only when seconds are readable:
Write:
9:11
